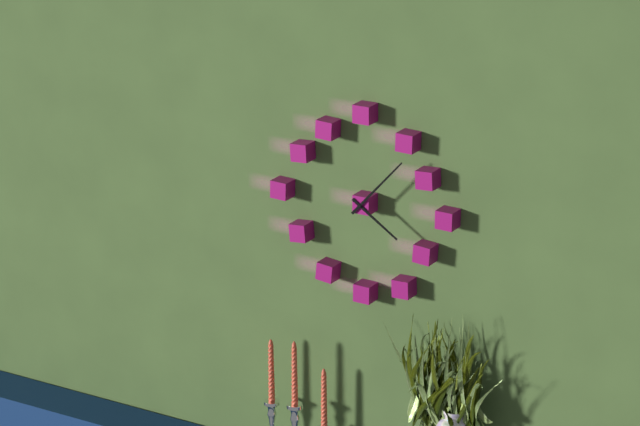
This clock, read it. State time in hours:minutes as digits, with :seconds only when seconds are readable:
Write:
4:07
